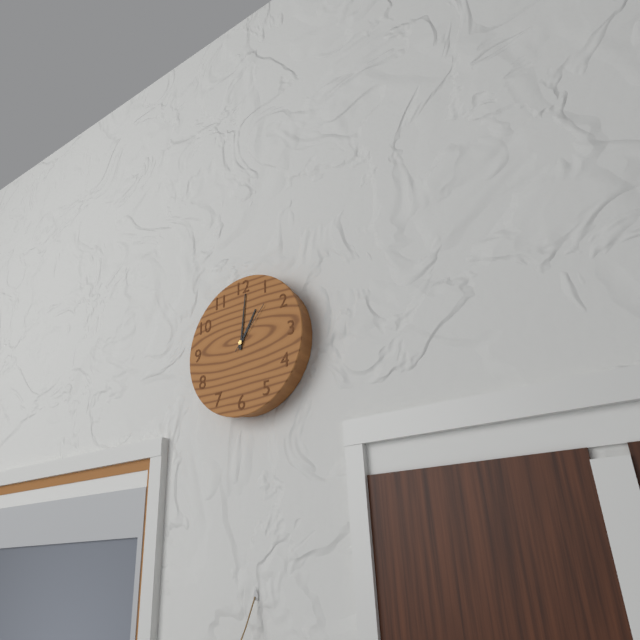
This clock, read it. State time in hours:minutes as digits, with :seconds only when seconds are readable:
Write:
1:01:07
